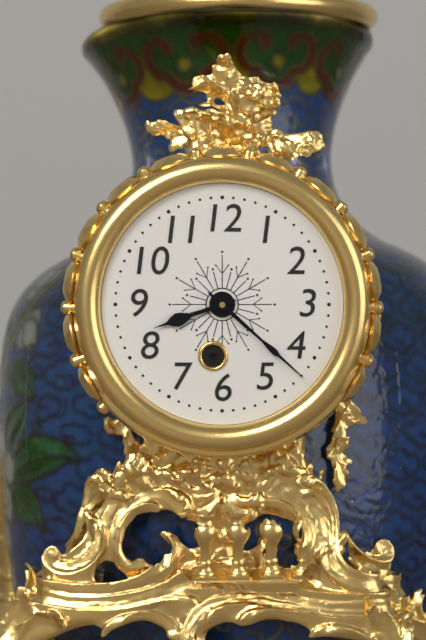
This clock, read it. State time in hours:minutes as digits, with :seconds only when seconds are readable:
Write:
8:22
